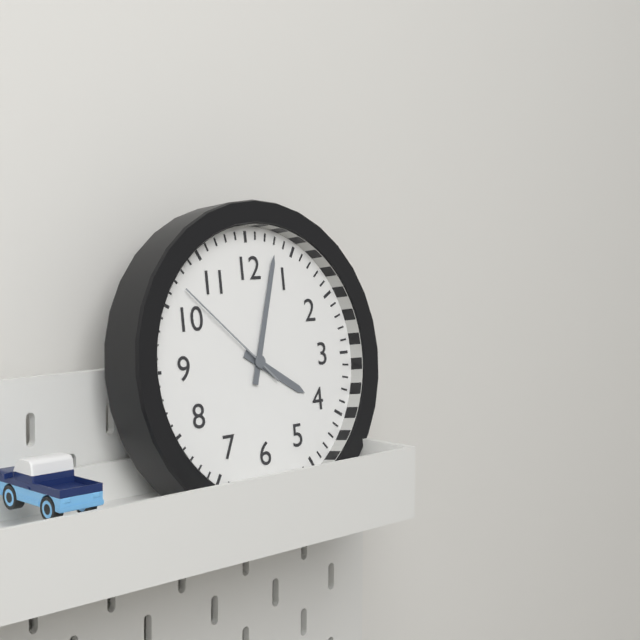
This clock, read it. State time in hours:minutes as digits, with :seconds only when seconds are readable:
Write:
4:03:52
